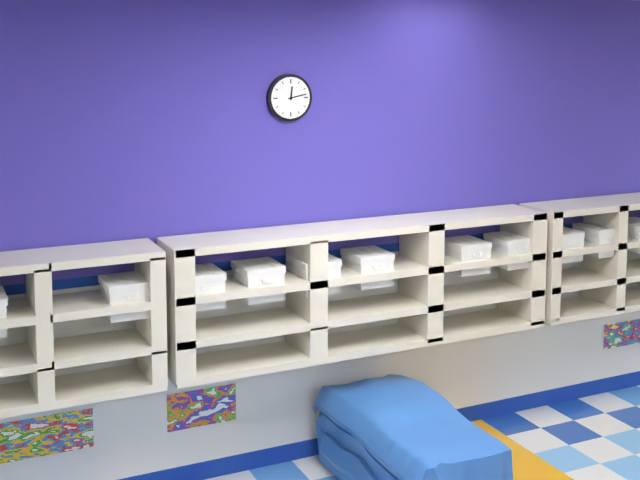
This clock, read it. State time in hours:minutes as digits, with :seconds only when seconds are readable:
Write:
12:13
